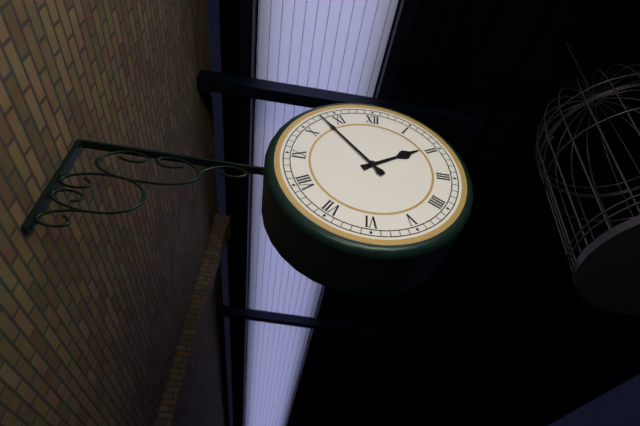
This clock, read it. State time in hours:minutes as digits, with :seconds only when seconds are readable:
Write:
1:53
